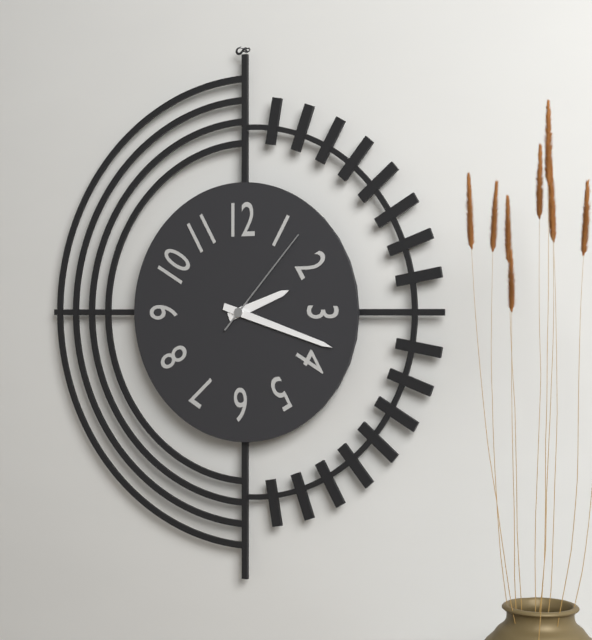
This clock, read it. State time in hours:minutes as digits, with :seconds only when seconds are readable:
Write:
2:18:07
